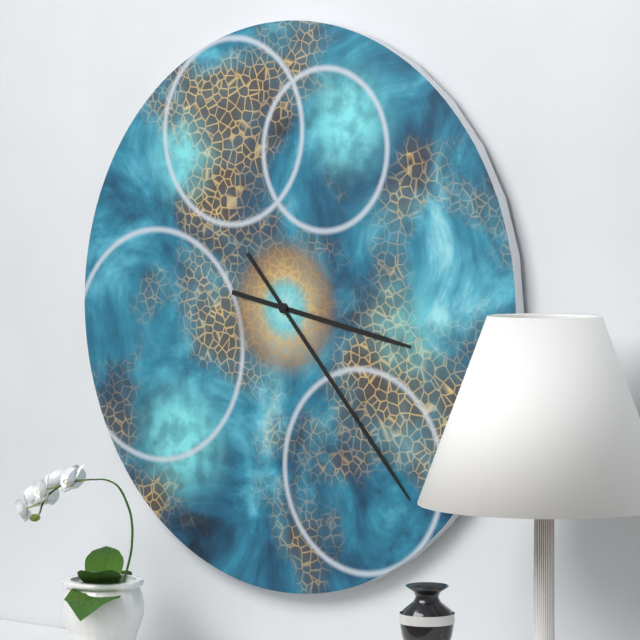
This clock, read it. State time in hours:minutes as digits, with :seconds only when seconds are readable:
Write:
3:23
